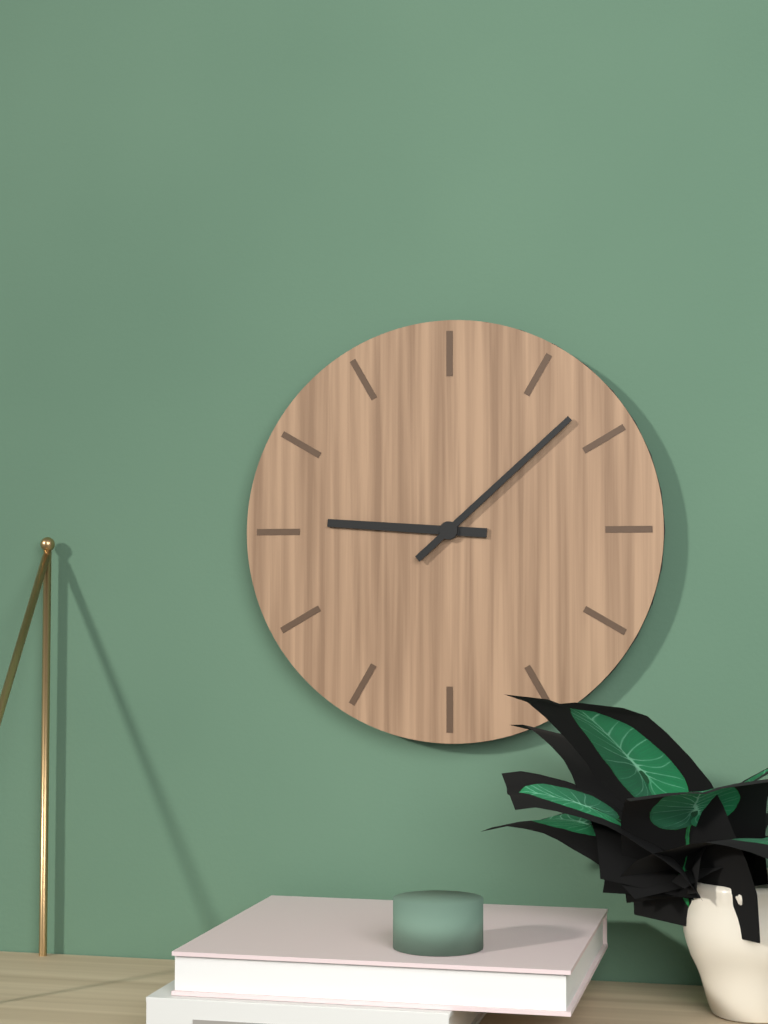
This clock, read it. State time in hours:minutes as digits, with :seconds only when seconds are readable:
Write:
9:08
